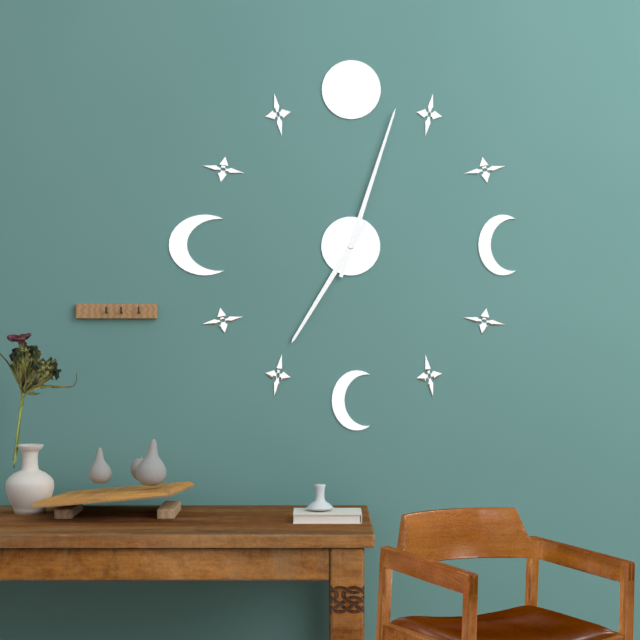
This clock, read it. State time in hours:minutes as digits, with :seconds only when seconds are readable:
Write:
7:03
